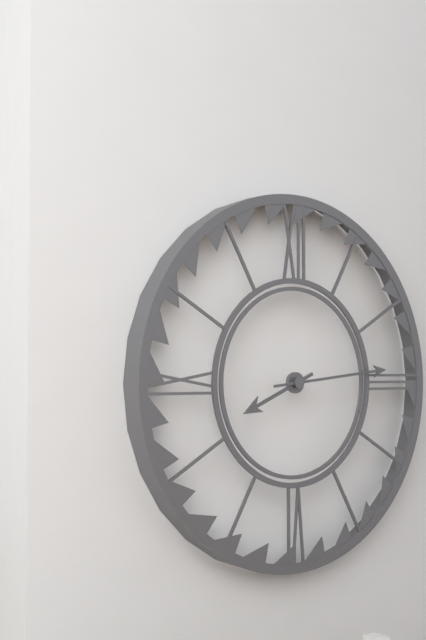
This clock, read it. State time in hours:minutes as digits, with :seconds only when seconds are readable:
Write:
8:14
